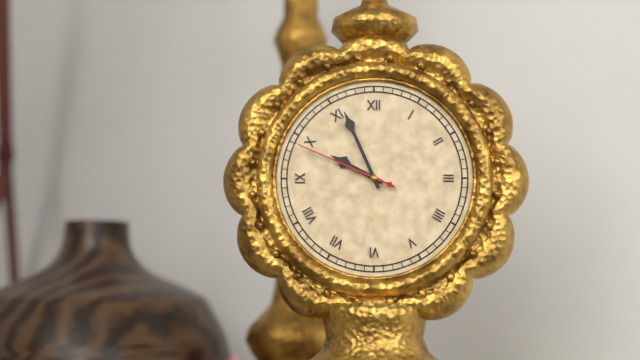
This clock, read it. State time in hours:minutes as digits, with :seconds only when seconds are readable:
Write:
9:56:49
